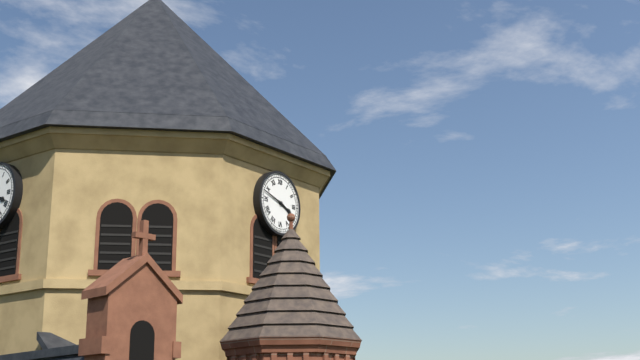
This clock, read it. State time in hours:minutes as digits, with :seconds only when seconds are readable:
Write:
3:48
